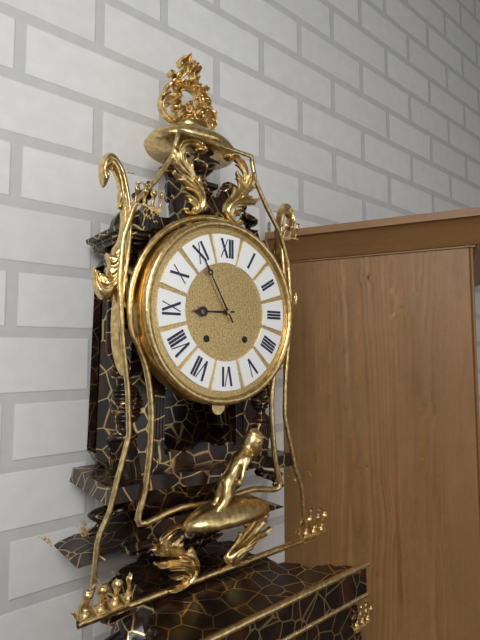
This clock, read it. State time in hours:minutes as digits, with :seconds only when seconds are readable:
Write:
8:55
